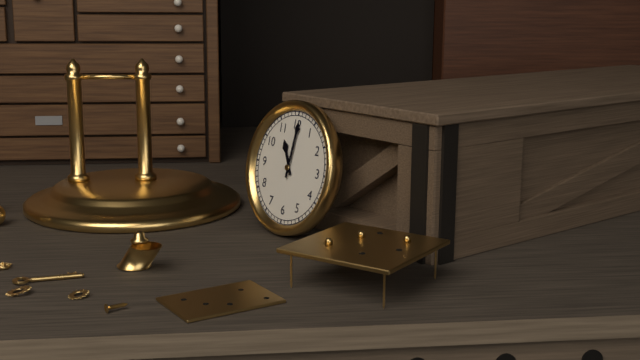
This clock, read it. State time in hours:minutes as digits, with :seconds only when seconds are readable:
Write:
11:01
